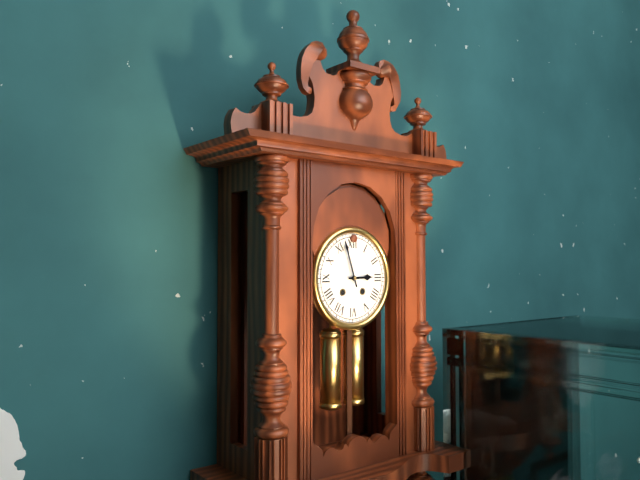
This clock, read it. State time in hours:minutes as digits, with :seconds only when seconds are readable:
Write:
2:57
